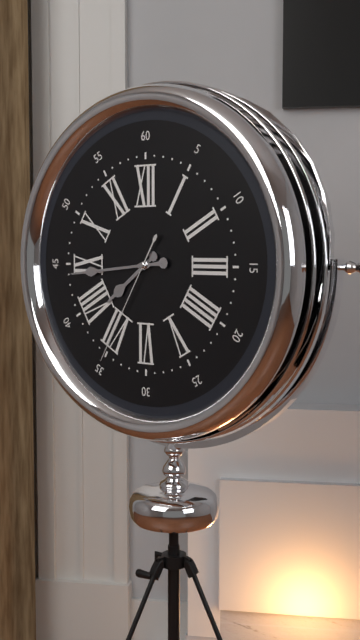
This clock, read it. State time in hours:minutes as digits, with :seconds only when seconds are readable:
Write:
7:44:35
